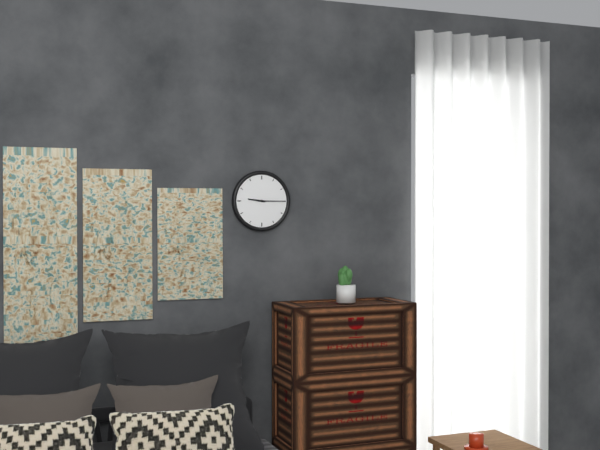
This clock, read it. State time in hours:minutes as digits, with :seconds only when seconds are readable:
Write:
9:15
